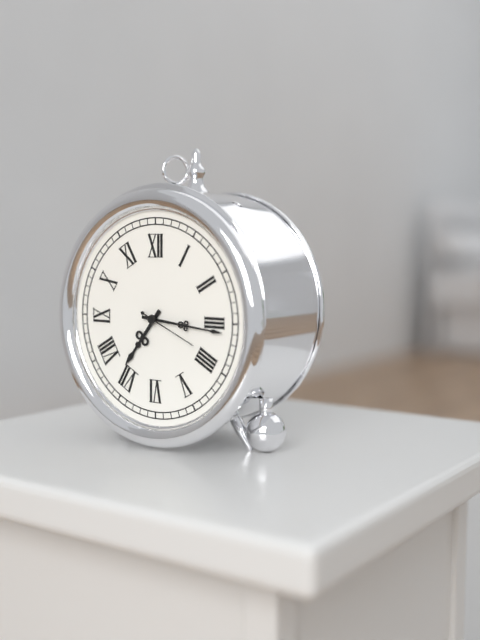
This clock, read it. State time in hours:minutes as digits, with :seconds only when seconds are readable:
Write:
7:16:19
